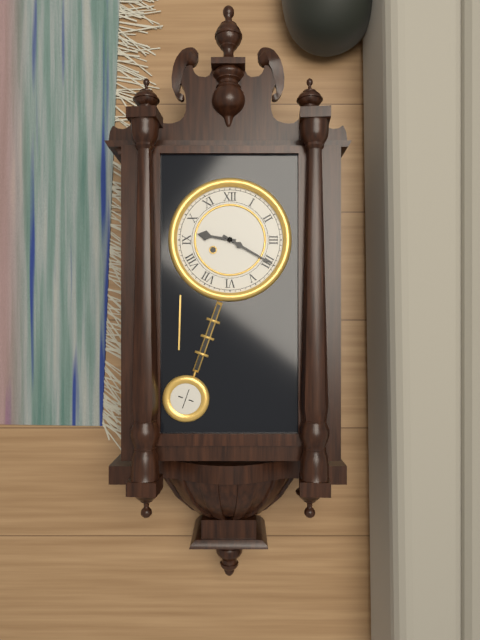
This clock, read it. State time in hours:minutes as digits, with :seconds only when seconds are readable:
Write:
9:20
